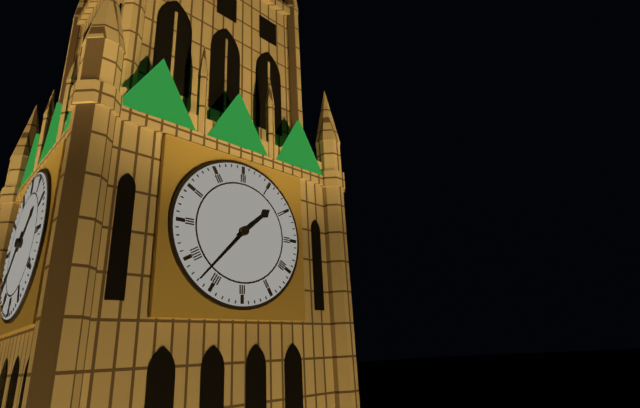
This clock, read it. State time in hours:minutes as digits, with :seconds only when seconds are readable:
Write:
1:37
